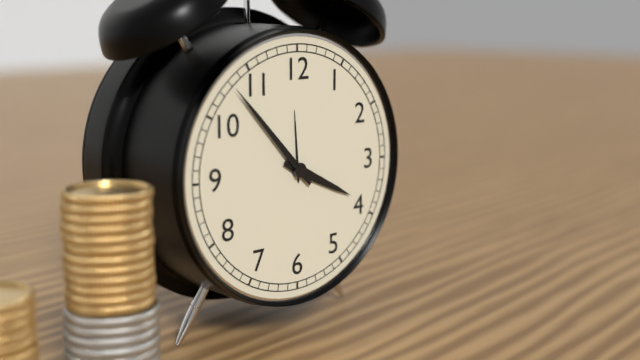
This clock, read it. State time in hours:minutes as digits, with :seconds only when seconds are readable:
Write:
3:53
